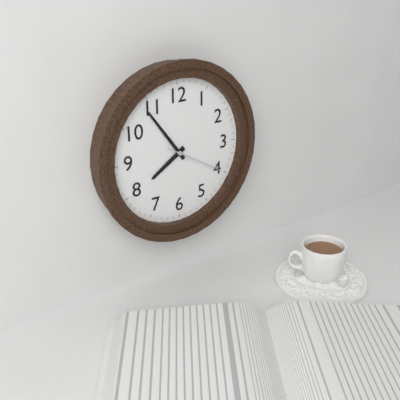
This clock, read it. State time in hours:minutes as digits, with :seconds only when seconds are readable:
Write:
7:54:20
